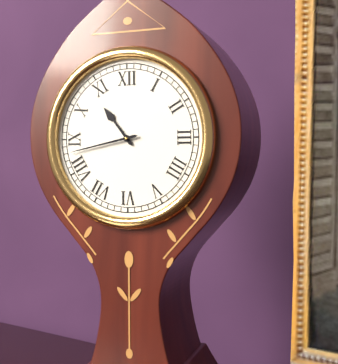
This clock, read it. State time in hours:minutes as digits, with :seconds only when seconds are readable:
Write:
10:43
